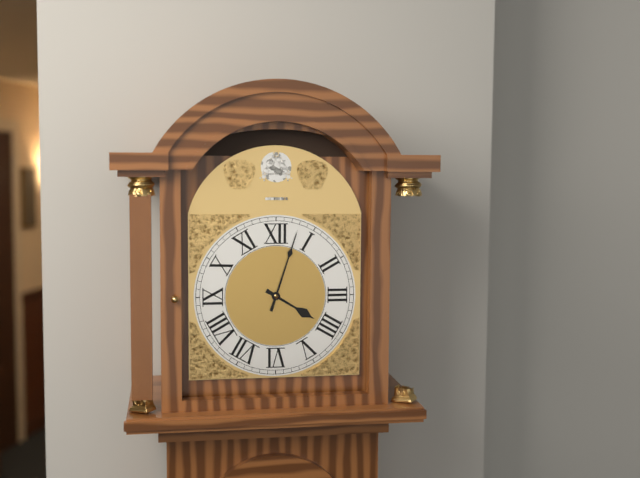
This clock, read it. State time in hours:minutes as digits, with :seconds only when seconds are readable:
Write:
4:03
